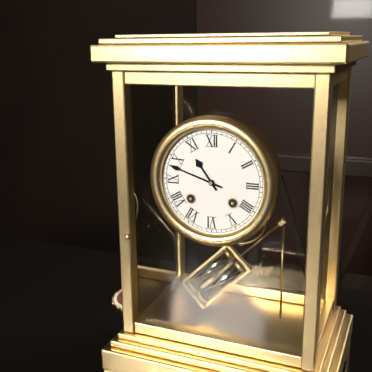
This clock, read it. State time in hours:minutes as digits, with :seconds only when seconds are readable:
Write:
10:48
